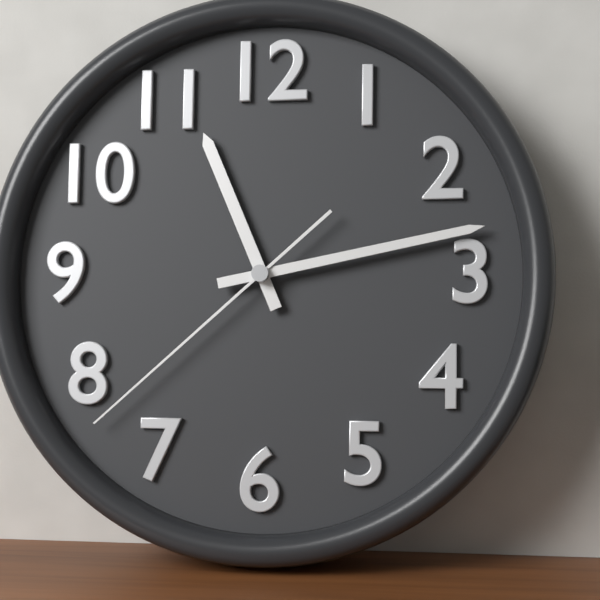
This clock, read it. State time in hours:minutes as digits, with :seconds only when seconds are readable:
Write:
11:13:38
